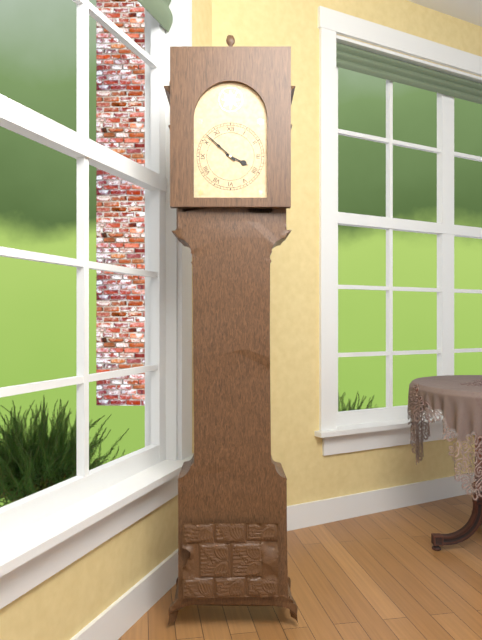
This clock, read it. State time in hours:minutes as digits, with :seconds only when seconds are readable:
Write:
3:52
